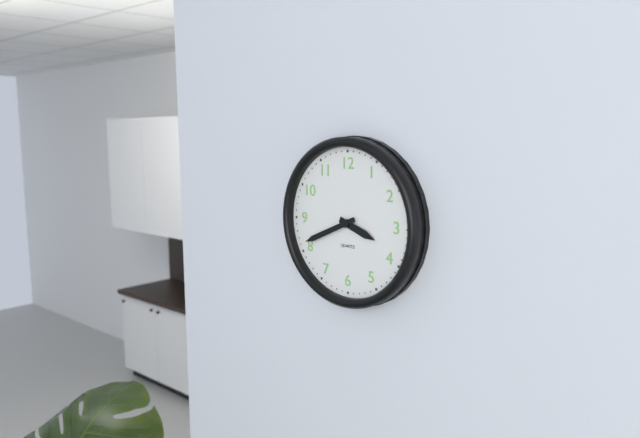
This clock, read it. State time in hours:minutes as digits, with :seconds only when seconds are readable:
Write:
3:41
